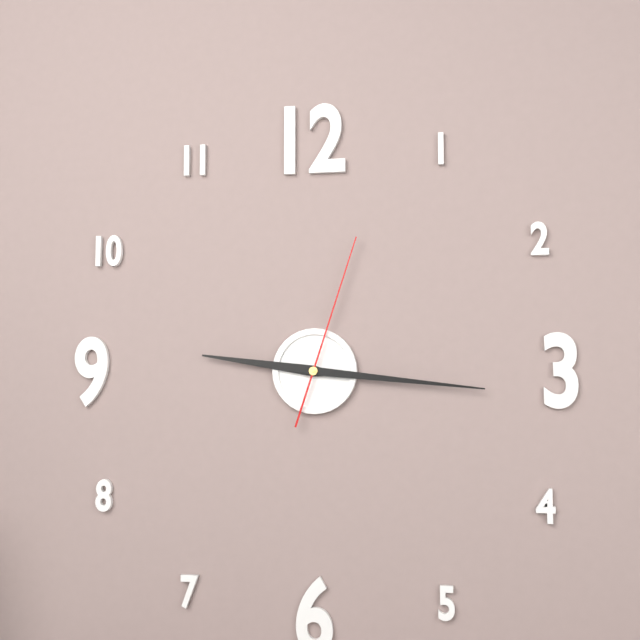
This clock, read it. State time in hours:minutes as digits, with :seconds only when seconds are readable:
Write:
9:16:03
